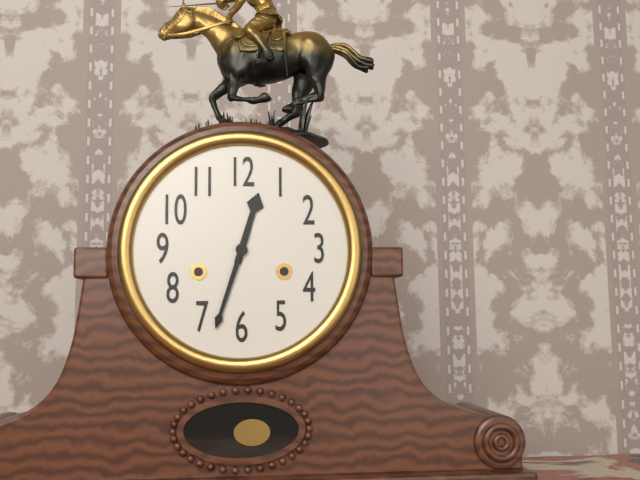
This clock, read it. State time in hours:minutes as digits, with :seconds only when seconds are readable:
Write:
12:33
